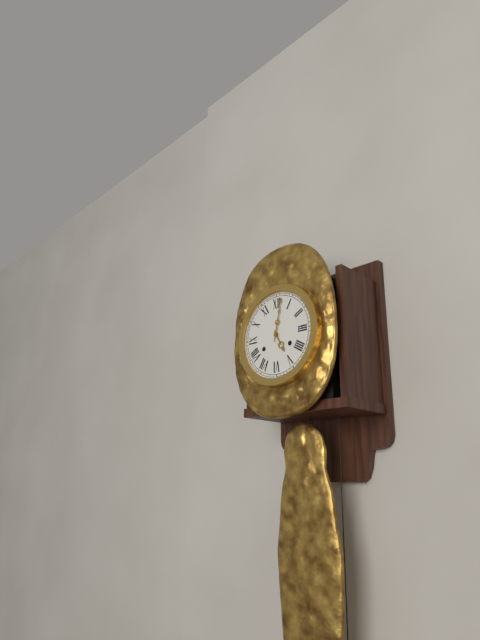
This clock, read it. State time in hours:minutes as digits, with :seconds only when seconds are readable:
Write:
5:02
